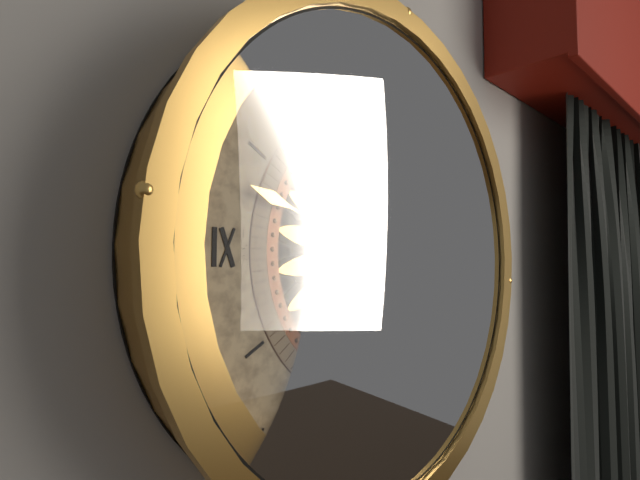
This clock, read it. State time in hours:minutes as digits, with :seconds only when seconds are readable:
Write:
6:48
